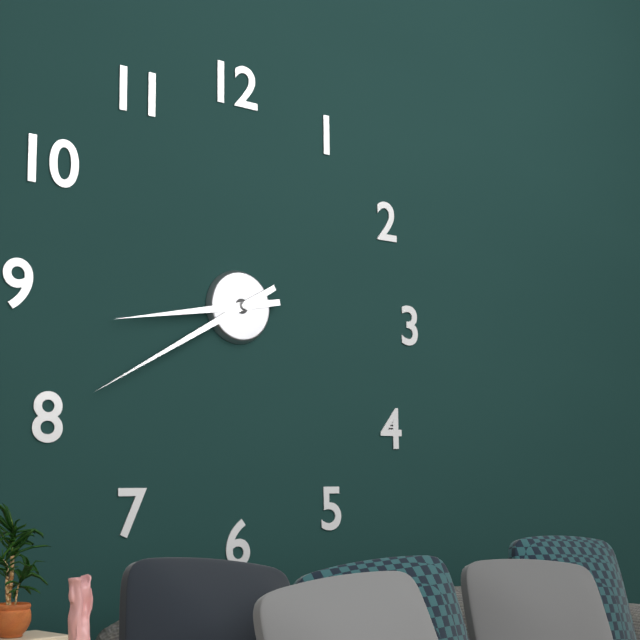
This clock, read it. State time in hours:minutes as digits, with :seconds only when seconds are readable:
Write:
8:40
